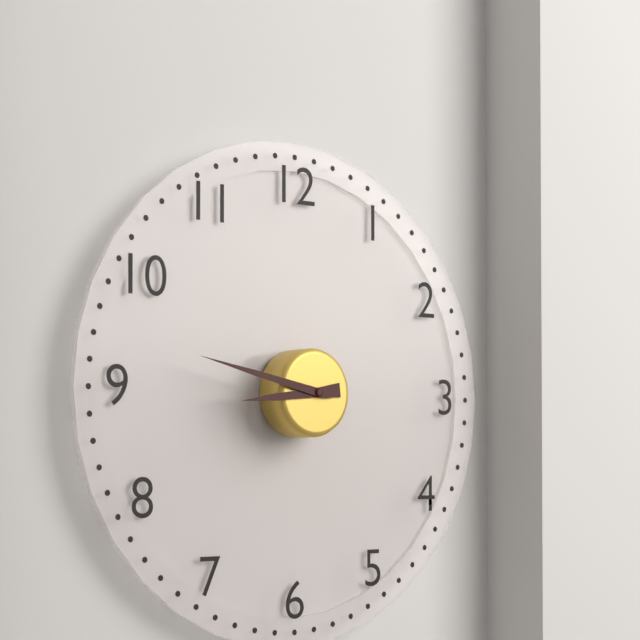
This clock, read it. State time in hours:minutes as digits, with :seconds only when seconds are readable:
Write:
8:47
